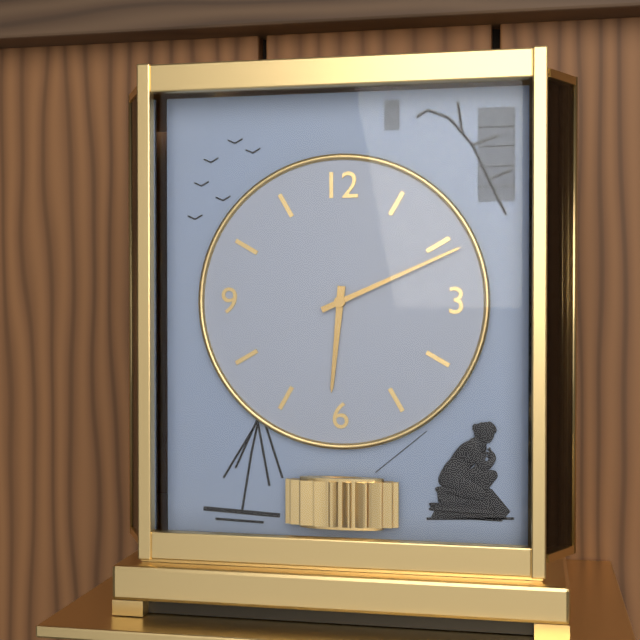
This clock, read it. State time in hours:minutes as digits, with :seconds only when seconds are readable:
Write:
6:11
